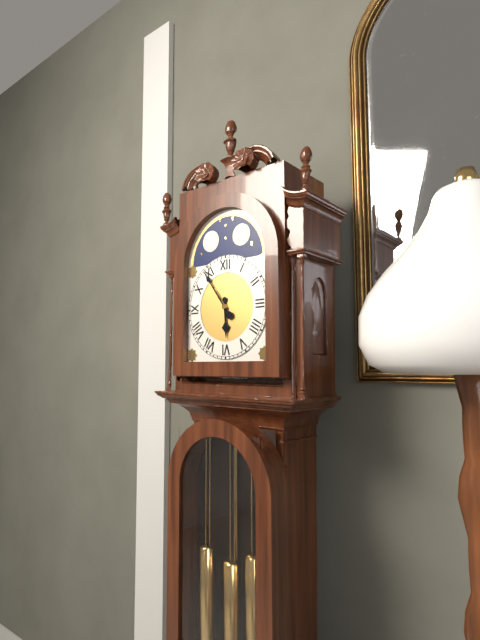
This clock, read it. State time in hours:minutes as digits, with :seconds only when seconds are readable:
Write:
5:54
